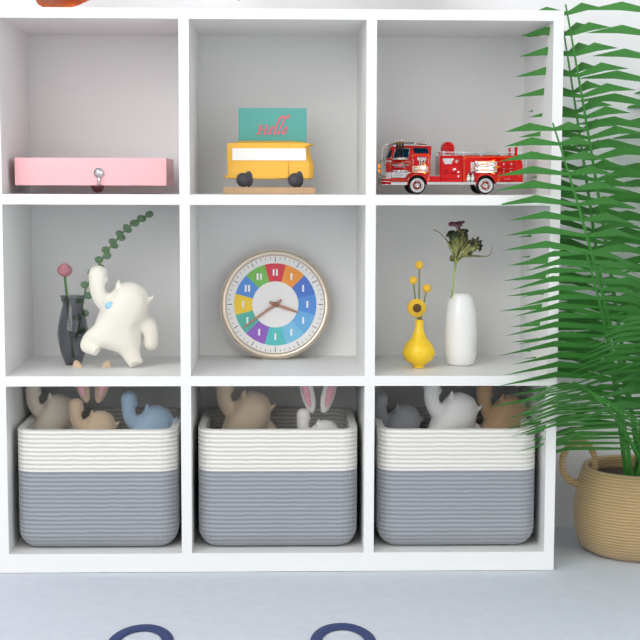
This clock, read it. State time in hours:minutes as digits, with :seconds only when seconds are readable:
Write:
3:39
